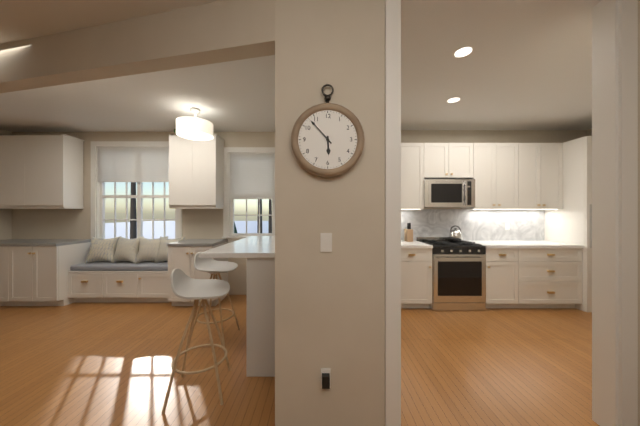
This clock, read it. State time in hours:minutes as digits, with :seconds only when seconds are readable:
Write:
5:53
